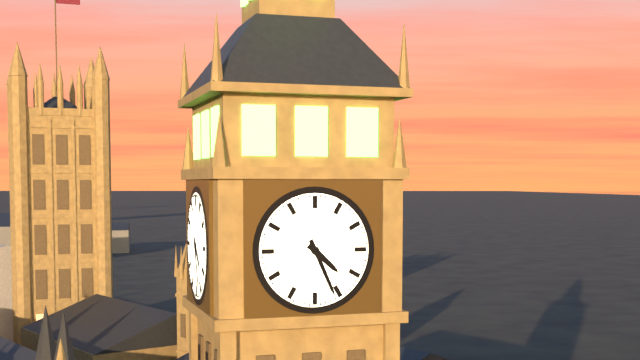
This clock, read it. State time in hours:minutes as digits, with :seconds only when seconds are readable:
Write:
4:26
